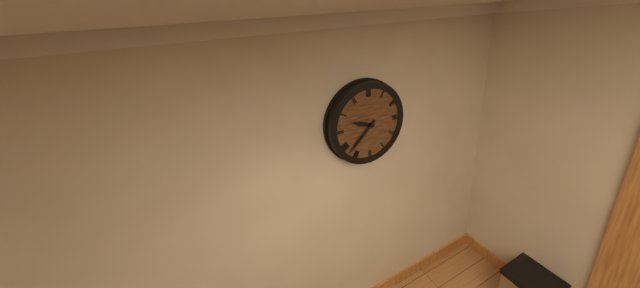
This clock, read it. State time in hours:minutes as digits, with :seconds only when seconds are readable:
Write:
9:38
